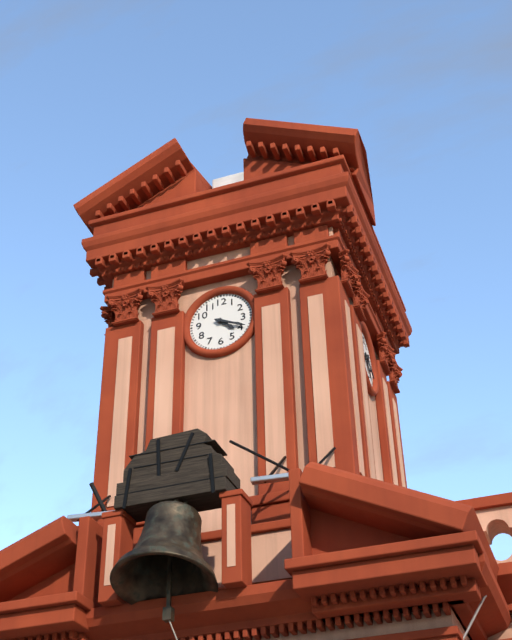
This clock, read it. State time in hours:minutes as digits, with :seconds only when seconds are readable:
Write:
4:19
